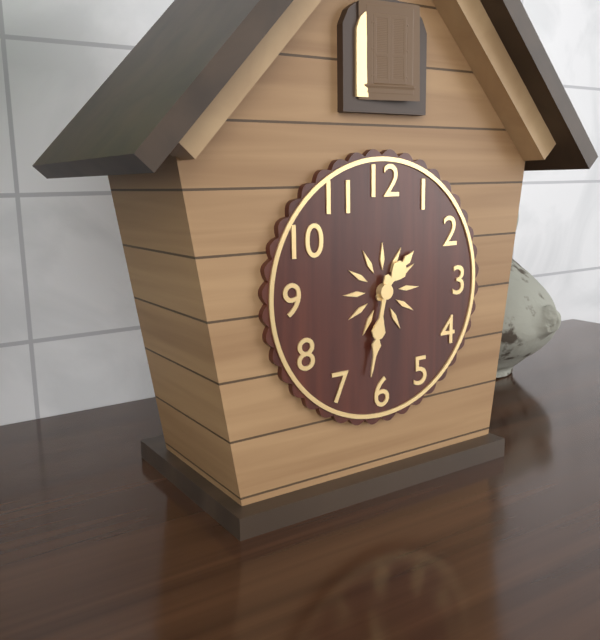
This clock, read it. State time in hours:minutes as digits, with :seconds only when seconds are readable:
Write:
1:32
